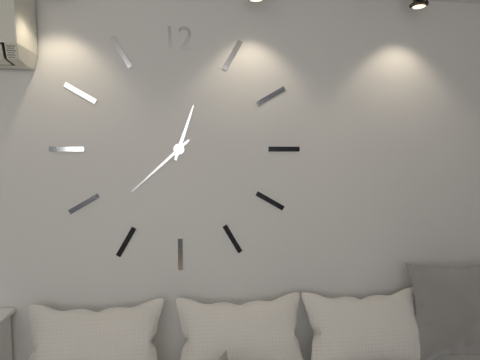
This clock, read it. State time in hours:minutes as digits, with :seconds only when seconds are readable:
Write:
12:38
